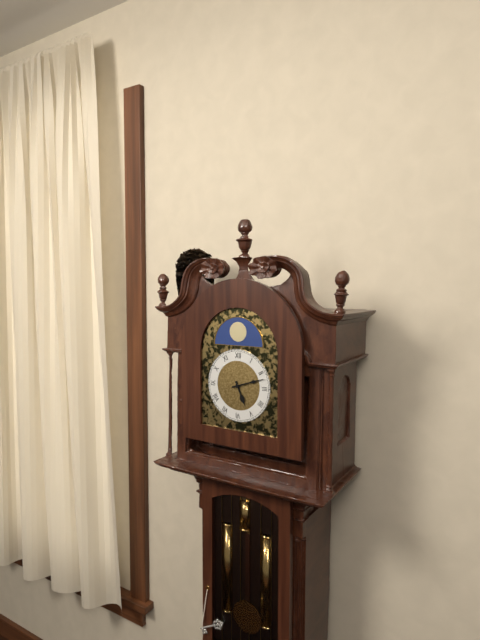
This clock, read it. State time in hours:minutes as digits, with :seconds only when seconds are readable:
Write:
5:12
